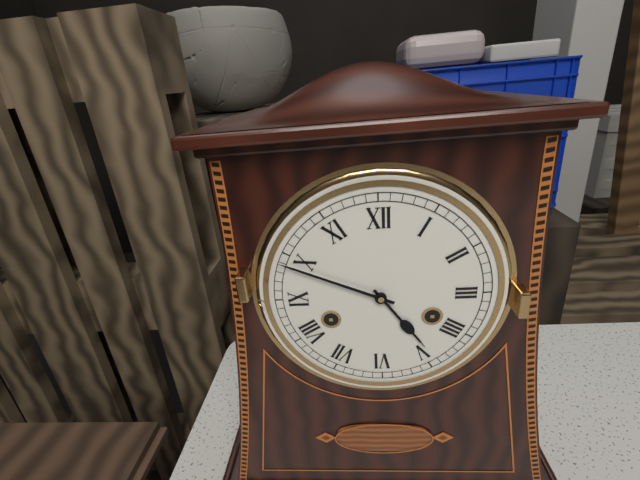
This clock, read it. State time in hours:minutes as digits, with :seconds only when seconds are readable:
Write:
4:49
